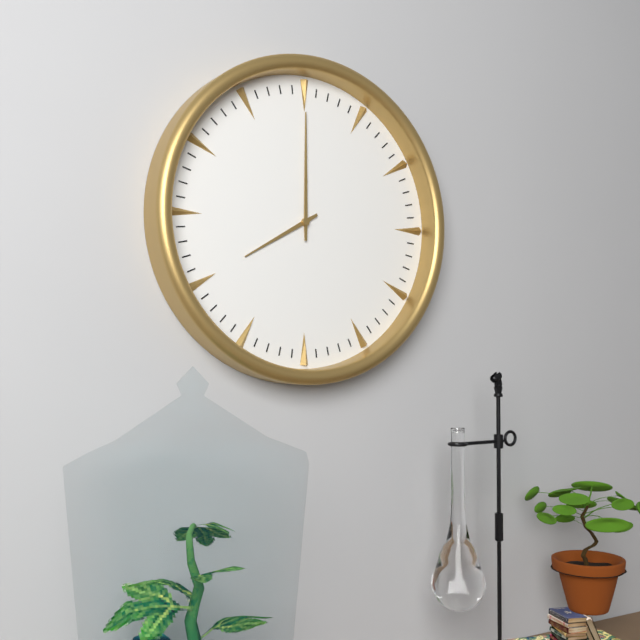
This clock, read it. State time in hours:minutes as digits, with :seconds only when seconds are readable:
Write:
8:00
